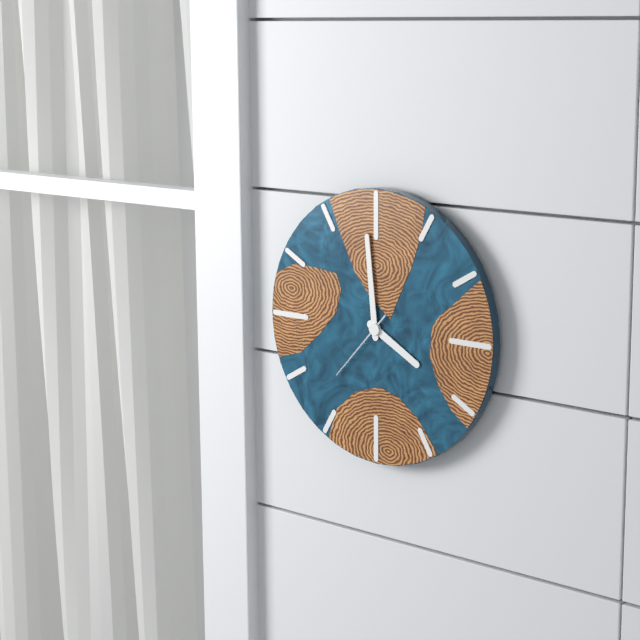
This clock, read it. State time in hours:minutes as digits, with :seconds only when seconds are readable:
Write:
3:59:37
